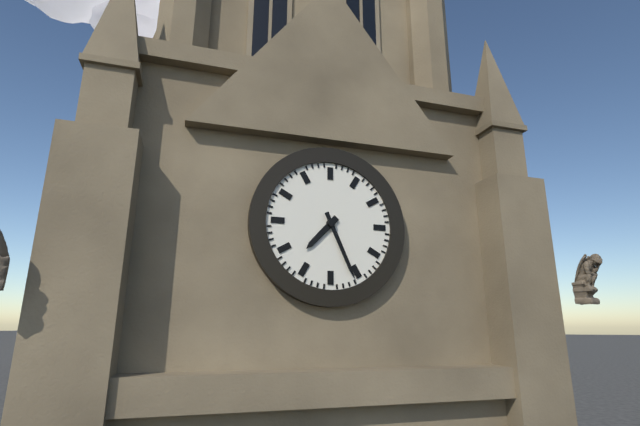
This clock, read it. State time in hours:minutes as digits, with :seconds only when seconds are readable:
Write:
7:26
